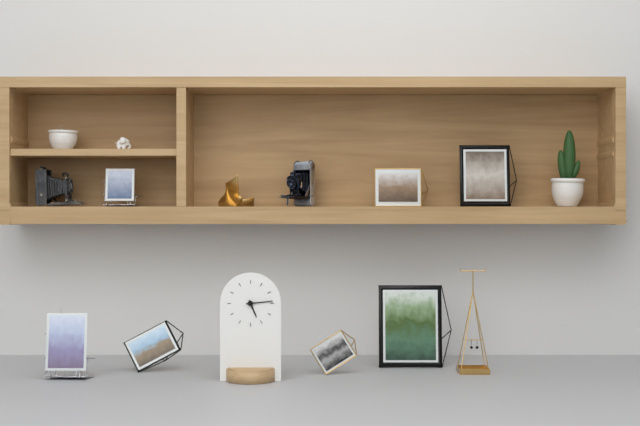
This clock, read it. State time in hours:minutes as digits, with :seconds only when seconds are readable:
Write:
5:14
